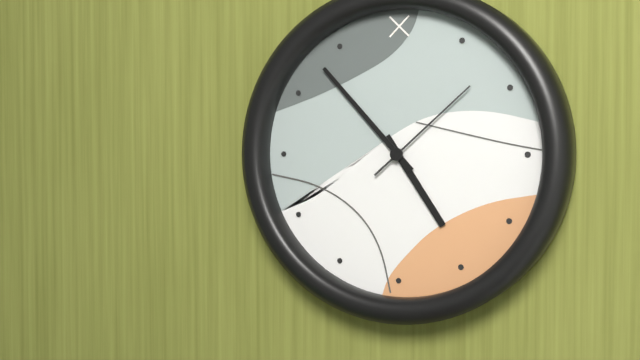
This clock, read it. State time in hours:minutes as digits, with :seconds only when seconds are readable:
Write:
4:53:08
